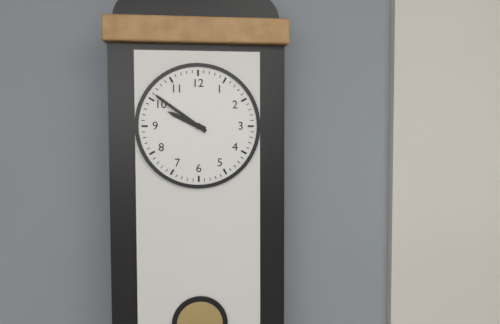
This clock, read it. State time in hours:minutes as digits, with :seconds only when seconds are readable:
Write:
9:51
